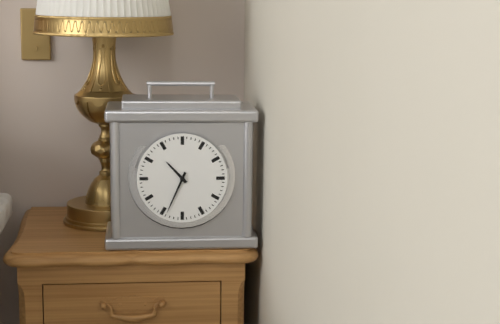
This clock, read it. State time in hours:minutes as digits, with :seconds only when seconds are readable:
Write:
10:34
